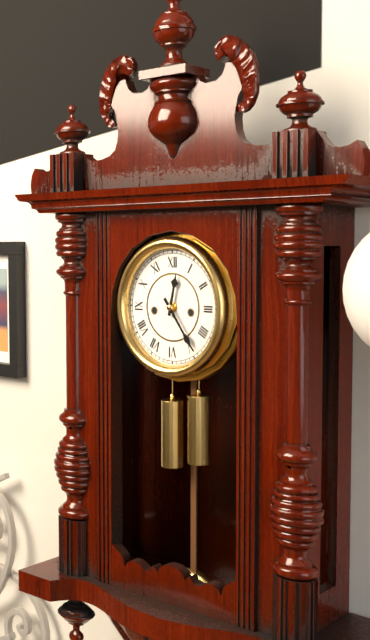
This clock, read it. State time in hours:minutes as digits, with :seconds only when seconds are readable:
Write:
12:24
